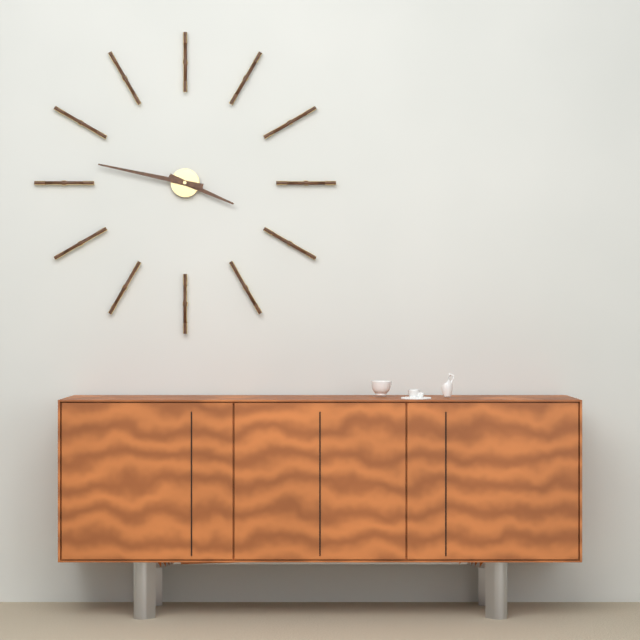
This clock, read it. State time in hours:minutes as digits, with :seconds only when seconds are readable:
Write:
3:47
